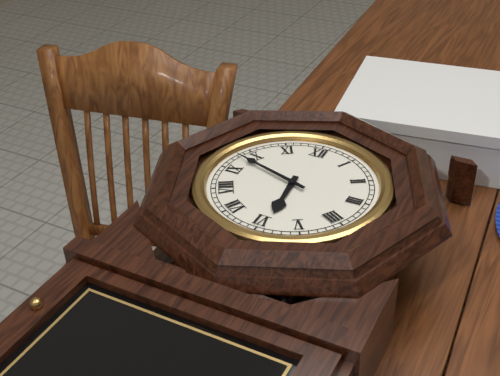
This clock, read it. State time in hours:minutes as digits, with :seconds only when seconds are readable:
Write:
5:48
